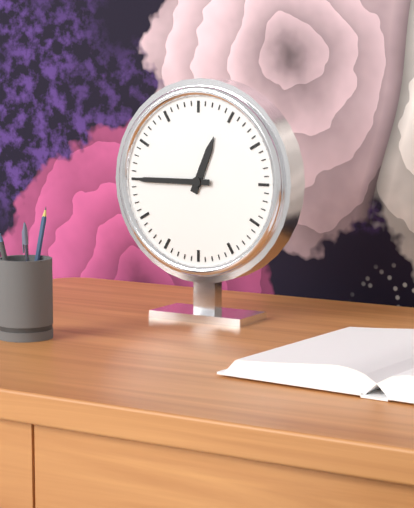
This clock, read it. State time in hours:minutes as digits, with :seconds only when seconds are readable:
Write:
12:45
